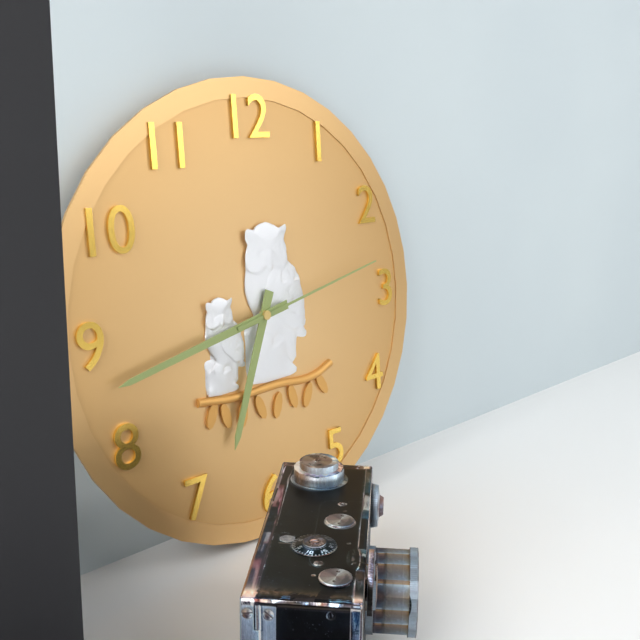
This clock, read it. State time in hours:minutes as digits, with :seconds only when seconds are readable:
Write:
6:43:13
